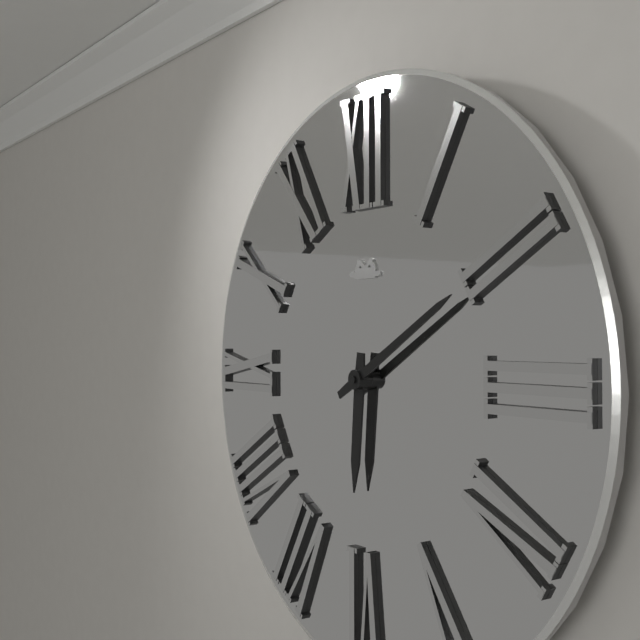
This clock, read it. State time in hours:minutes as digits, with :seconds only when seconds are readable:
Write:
6:10
